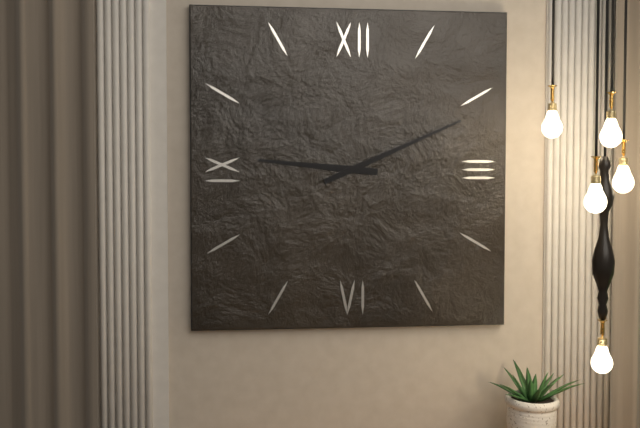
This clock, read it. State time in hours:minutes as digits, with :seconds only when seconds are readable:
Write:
9:11
